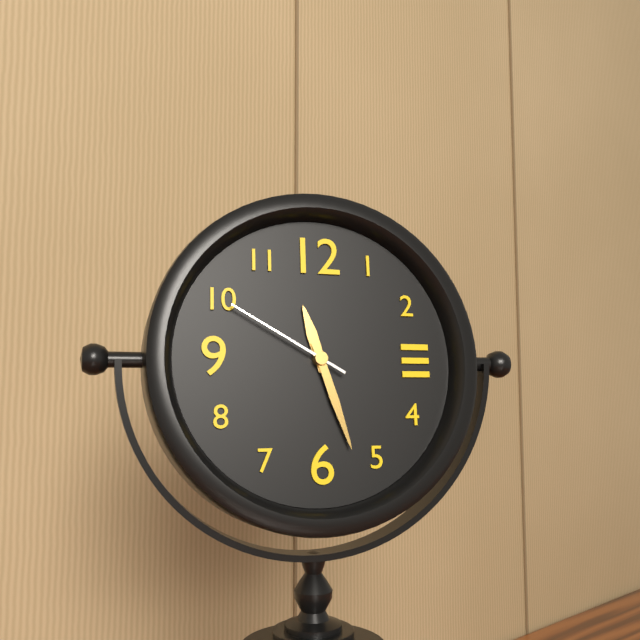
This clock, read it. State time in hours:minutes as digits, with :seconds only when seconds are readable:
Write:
11:27:50
